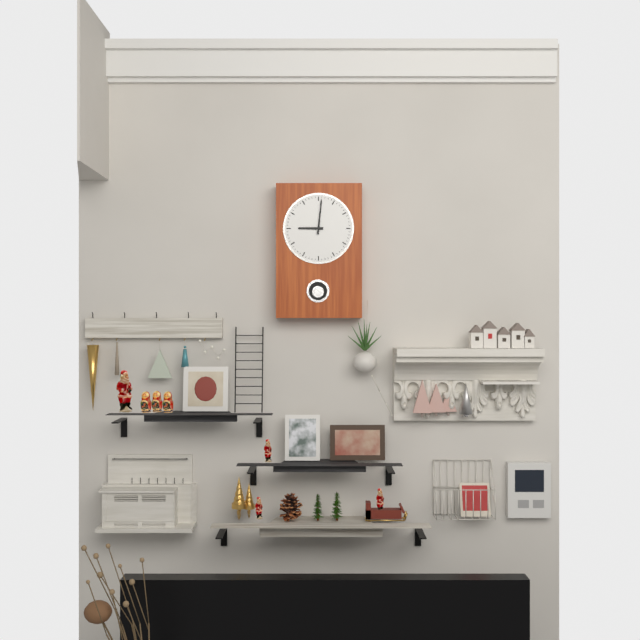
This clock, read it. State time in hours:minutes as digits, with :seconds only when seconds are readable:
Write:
9:01
